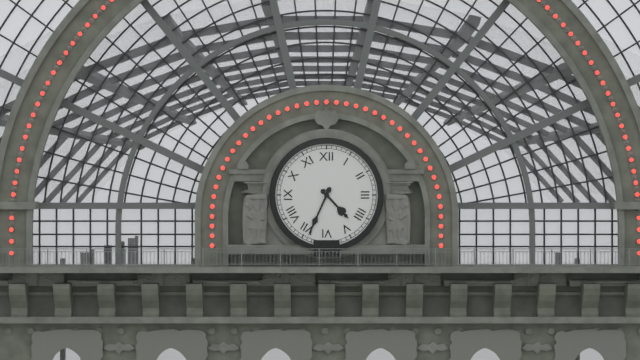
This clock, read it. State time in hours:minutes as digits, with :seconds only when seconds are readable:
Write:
4:34
